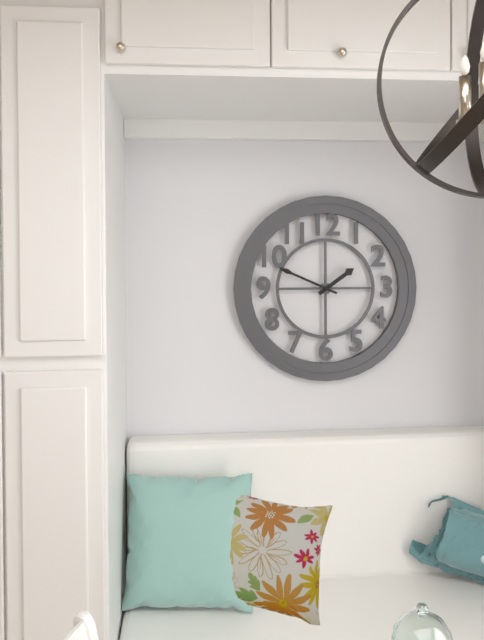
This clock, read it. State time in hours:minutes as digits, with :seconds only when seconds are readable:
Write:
1:49
